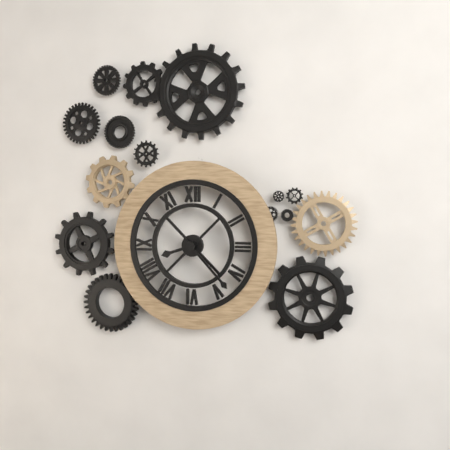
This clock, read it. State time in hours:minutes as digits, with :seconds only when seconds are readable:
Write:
8:23
